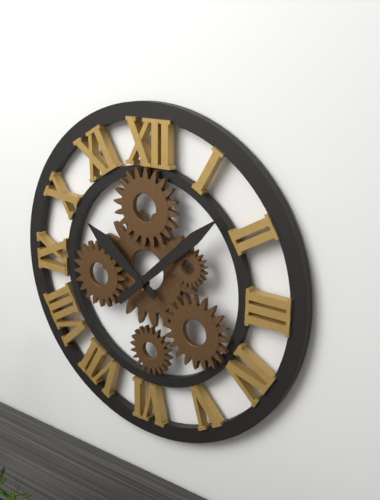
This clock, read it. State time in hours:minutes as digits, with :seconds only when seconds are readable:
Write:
10:08
